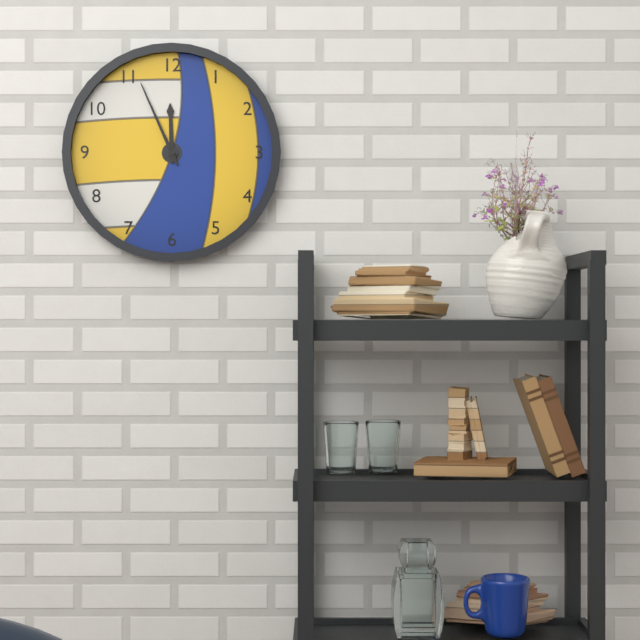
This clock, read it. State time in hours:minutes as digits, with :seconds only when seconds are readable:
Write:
11:56
